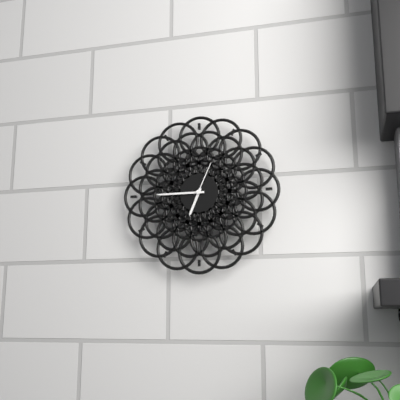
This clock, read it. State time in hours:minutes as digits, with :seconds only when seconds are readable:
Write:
6:45
